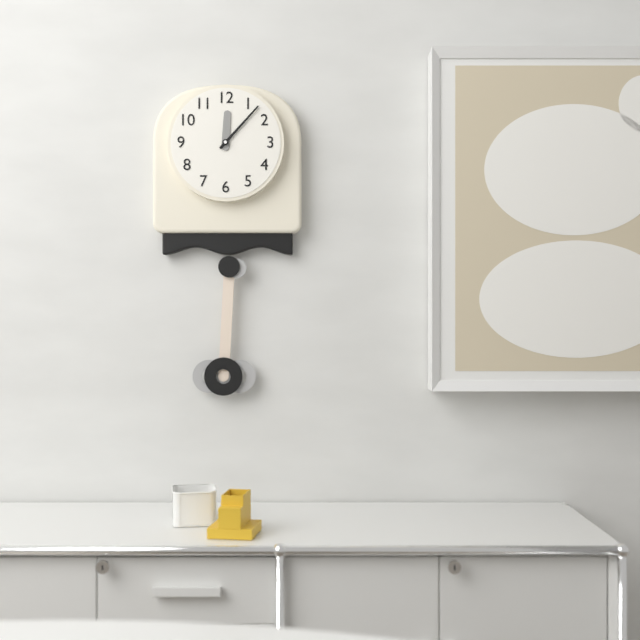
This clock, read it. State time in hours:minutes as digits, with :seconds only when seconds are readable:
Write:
12:07
